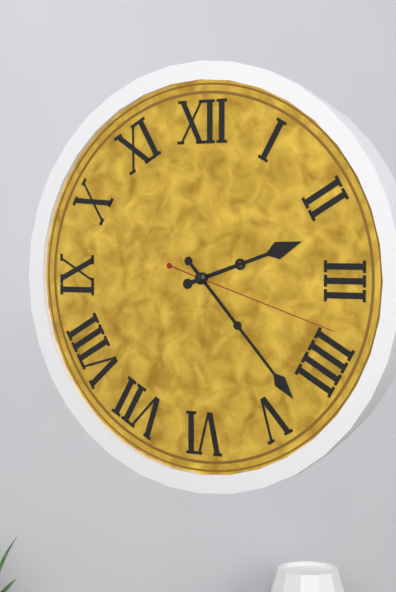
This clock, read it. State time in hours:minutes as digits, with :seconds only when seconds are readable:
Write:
2:23:18
